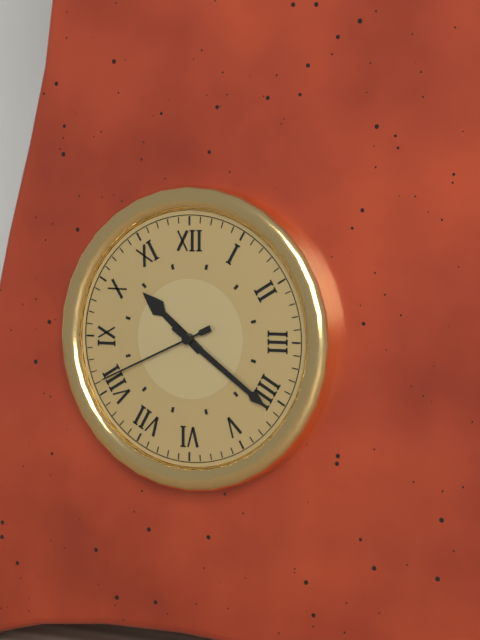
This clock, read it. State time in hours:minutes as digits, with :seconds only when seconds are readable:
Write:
10:21:41
